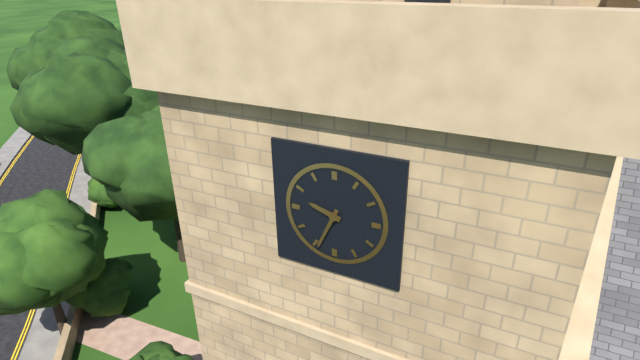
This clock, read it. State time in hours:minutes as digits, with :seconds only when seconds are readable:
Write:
9:34
